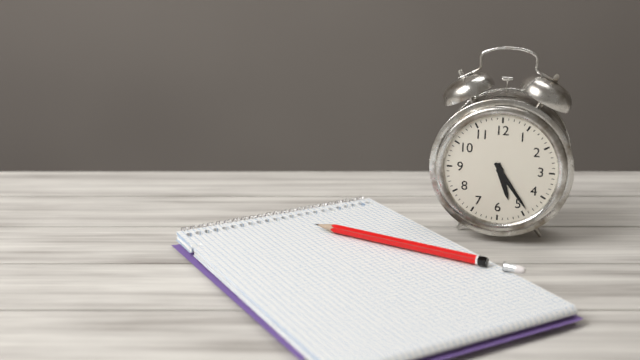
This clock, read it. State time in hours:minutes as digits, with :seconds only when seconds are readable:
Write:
5:24
